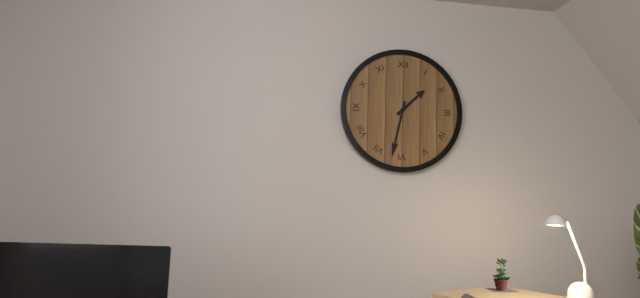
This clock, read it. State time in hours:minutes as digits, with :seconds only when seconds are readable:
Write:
1:32
